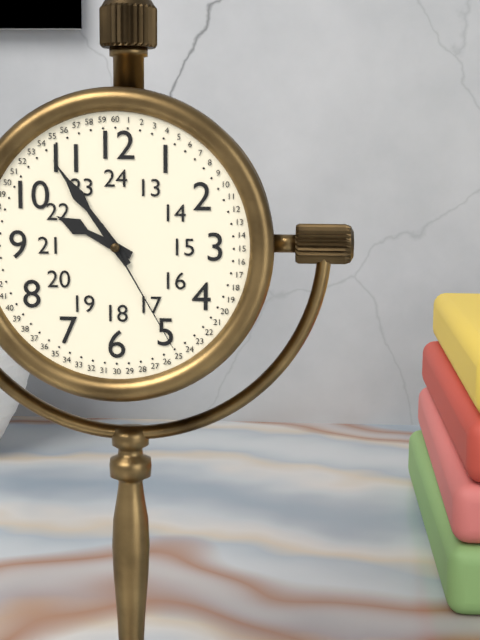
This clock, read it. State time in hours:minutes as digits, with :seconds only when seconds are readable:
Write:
9:54:25
